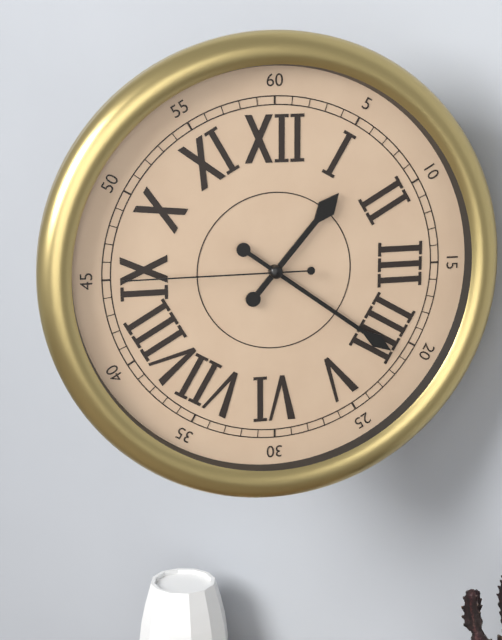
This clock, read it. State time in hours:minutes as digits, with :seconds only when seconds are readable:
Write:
1:21:45
